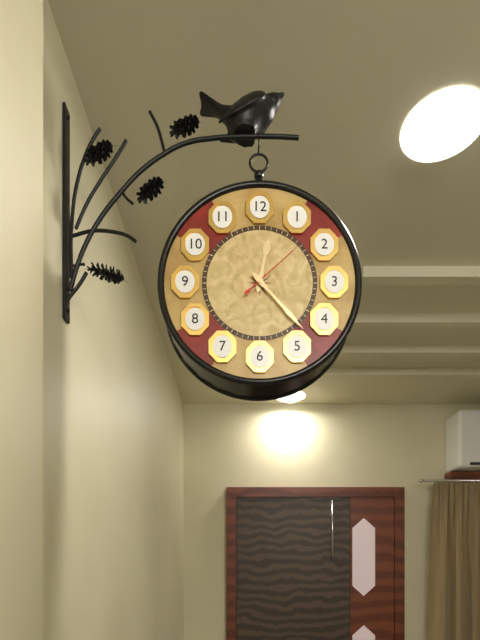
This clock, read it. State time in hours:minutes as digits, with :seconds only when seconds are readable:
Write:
12:23:08
